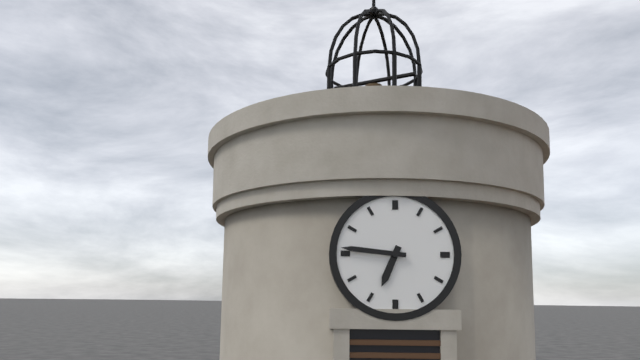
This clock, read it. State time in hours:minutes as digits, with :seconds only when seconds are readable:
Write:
6:46
